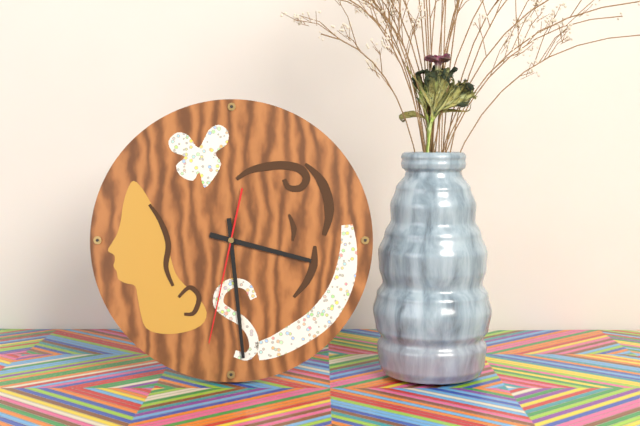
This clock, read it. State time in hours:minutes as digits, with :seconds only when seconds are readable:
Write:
3:29:32
